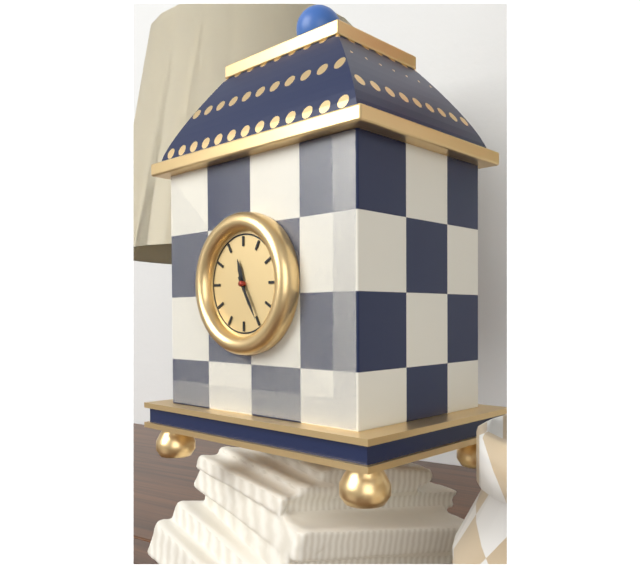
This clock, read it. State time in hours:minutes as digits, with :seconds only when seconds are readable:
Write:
11:25
